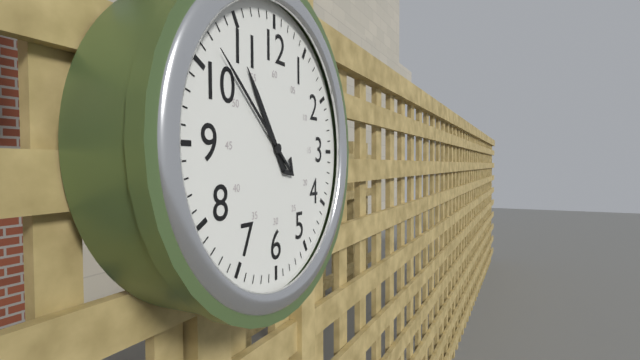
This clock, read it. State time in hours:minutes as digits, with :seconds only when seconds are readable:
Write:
10:52
